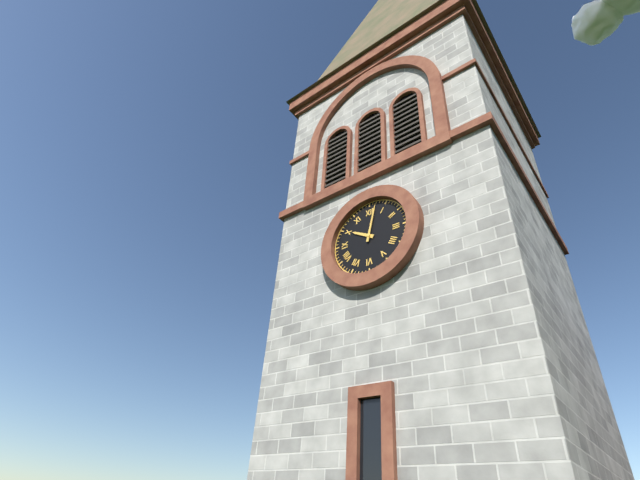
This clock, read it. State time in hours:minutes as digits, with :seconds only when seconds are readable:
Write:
10:02
